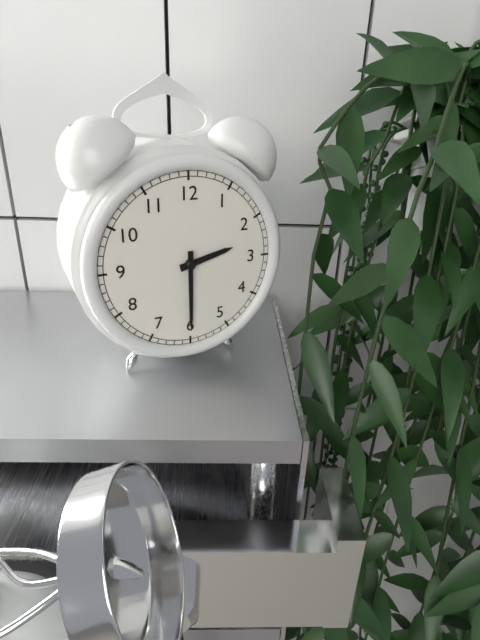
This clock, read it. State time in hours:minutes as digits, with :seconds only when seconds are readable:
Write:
2:30
